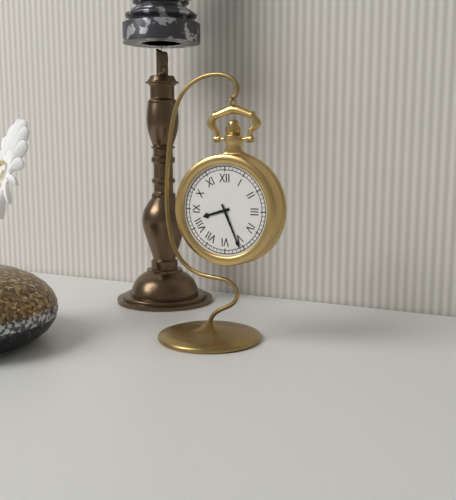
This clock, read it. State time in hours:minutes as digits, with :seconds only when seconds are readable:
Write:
8:26
